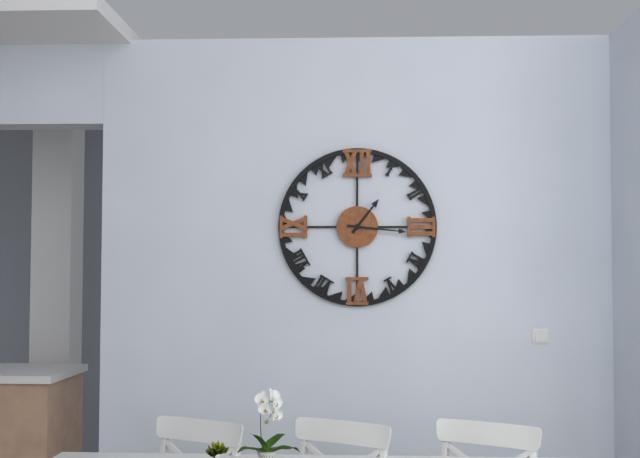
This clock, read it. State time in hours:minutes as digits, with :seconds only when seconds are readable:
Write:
1:16
